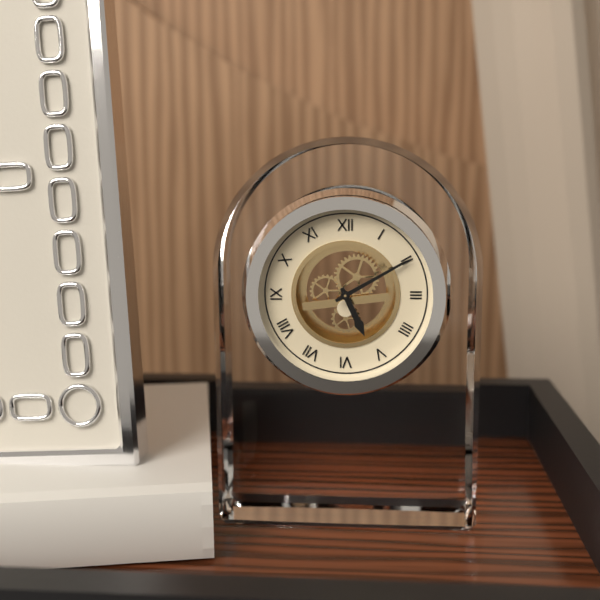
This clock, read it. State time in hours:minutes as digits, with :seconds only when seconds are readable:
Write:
5:10
